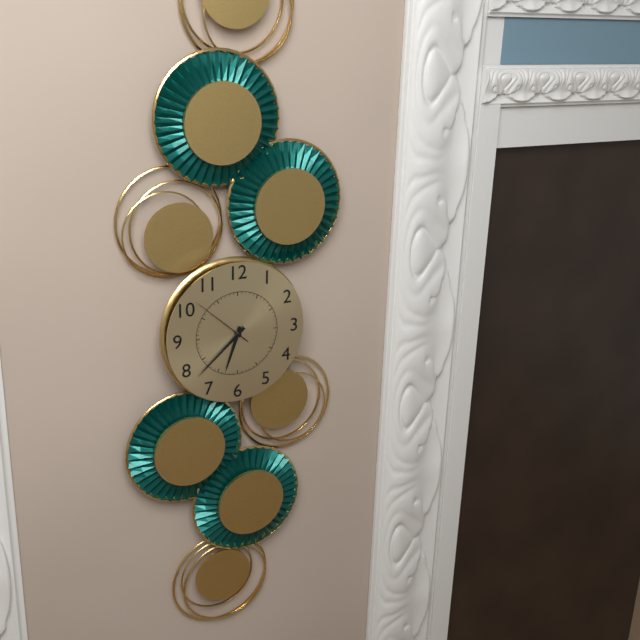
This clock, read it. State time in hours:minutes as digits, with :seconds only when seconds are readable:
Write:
6:38:52
